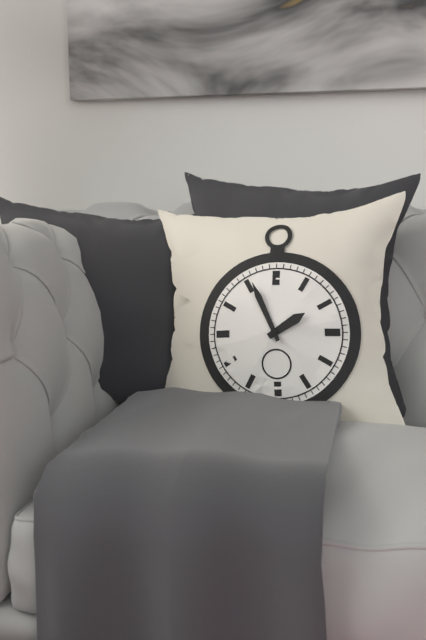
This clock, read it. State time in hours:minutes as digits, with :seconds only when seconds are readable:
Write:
1:56
